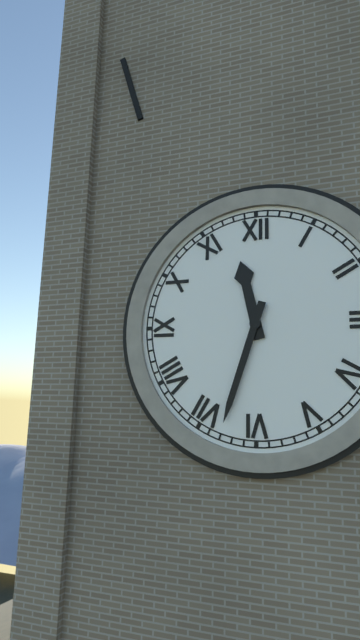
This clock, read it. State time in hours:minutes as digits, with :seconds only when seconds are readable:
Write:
11:33
